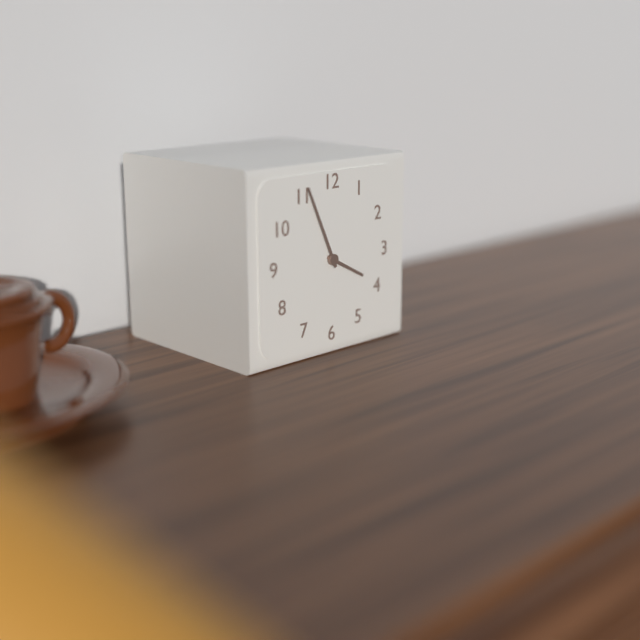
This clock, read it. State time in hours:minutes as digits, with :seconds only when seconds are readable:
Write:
3:56
